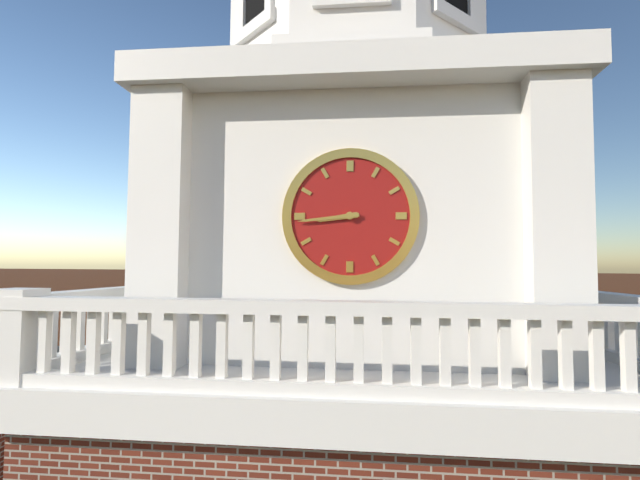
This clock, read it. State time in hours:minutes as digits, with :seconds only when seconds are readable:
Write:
8:44
